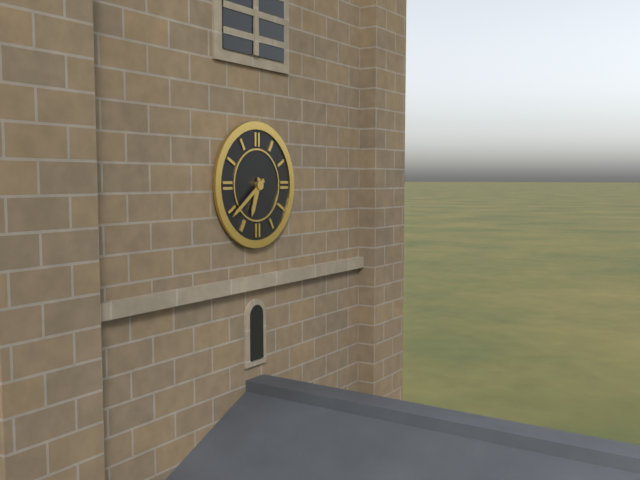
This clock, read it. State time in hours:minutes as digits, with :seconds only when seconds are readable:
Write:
6:39
